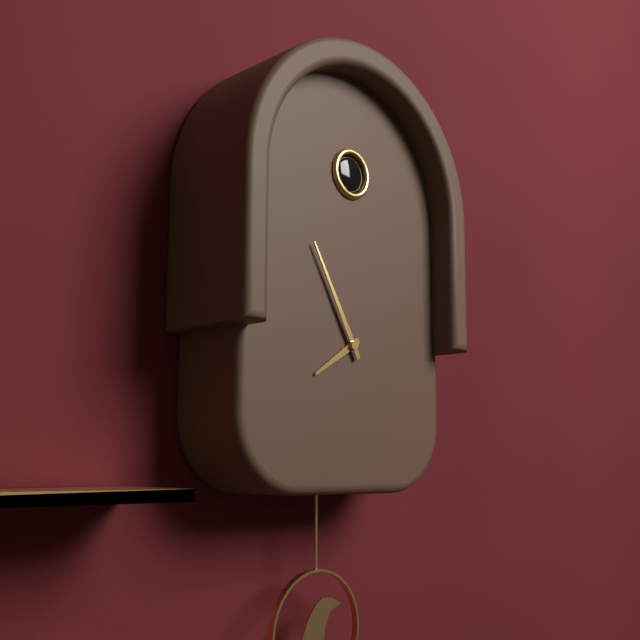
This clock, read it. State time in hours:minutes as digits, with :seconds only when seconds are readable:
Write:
7:55
